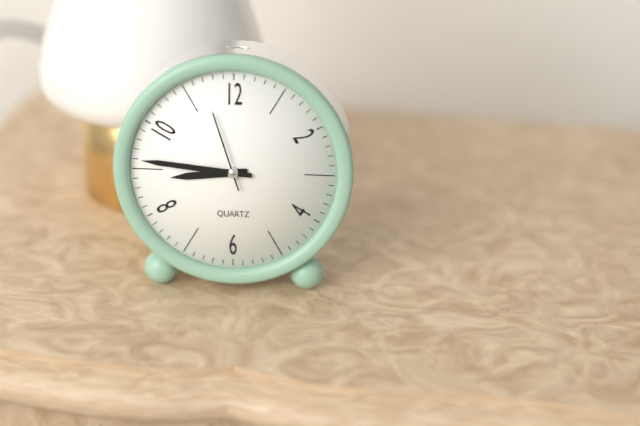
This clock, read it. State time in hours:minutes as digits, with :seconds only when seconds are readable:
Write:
8:46:57
